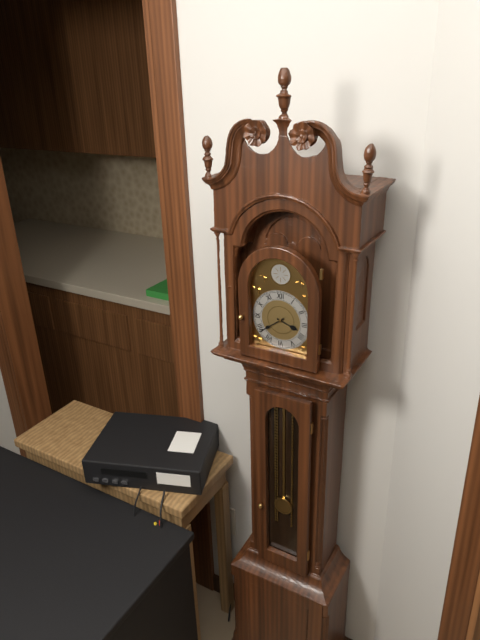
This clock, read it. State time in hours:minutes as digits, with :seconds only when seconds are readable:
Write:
3:39
